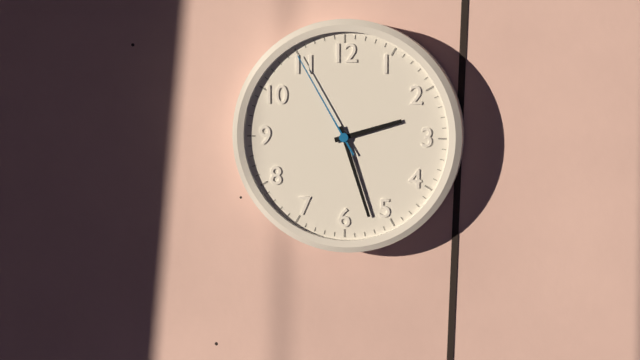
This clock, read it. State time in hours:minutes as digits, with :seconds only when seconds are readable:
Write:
2:27:55
